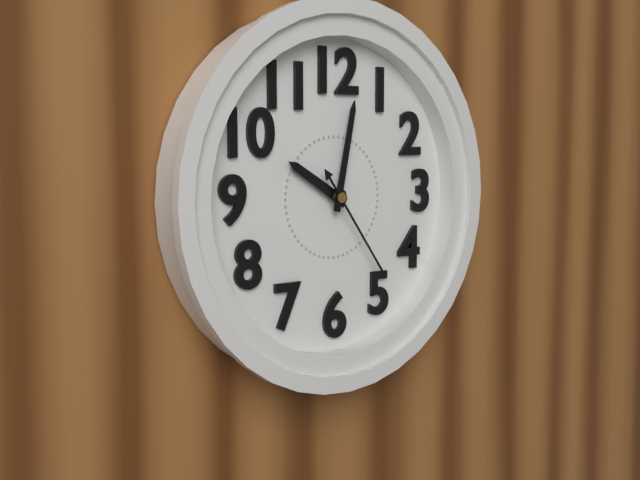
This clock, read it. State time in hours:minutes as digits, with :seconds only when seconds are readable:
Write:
10:02:24
